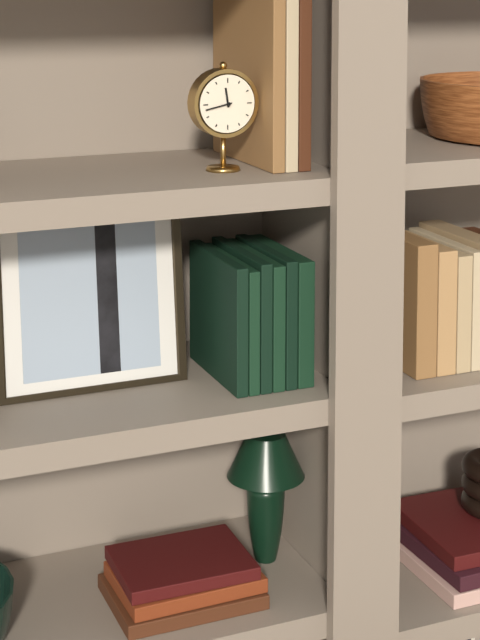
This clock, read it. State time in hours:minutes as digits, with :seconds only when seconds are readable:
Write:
11:43
